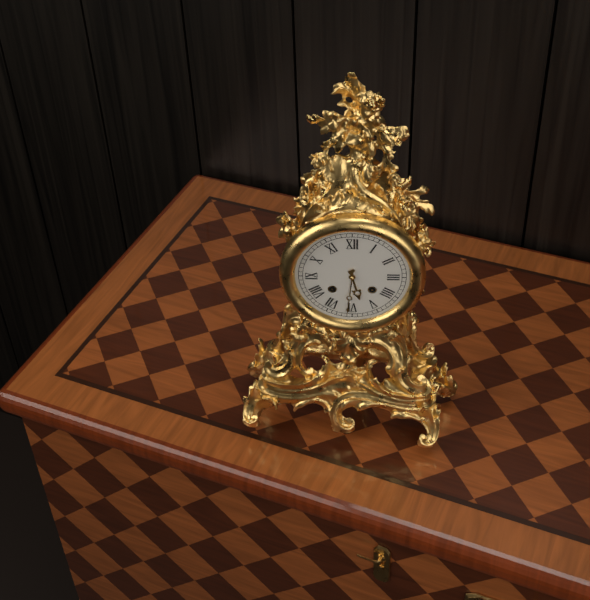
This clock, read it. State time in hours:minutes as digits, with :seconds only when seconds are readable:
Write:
5:31
